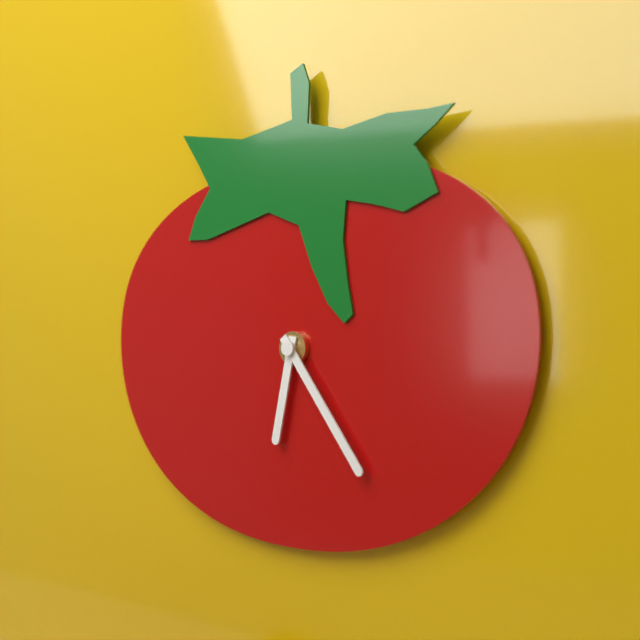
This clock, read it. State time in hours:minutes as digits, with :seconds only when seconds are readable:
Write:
6:24
